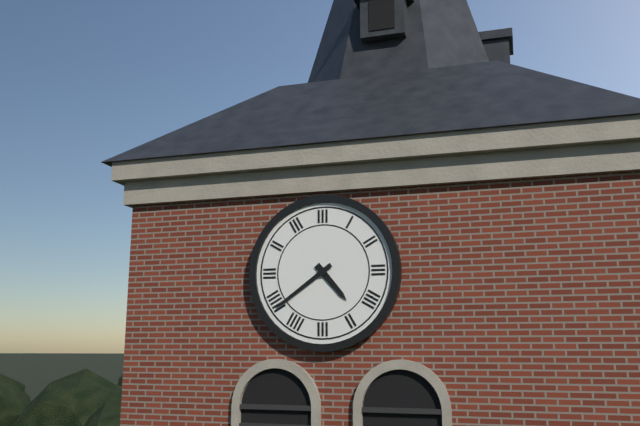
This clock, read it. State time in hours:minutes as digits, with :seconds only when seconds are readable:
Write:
4:39
